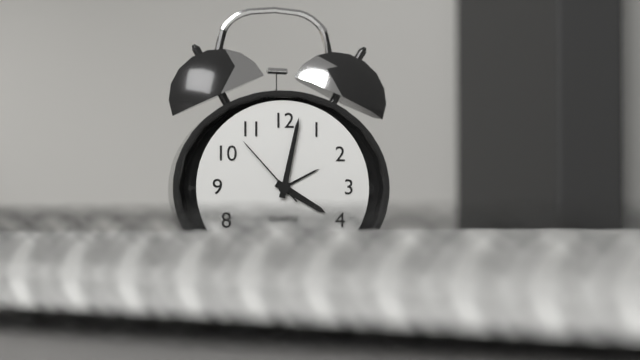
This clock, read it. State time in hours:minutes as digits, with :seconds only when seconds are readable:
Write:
4:02:53
